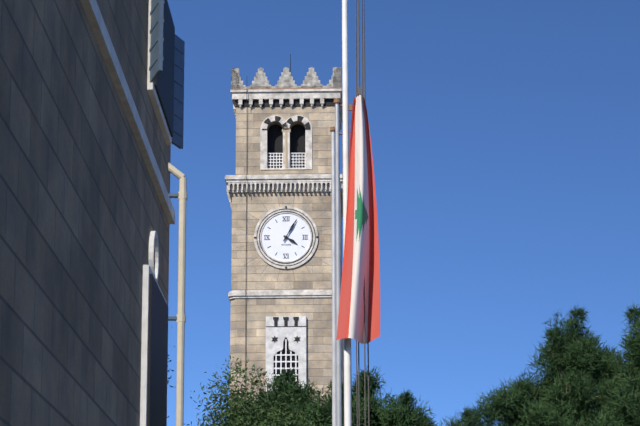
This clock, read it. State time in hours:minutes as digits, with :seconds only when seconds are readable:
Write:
4:05
